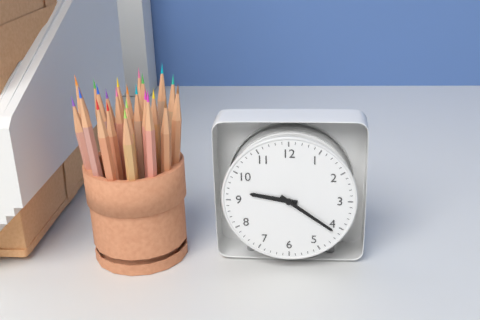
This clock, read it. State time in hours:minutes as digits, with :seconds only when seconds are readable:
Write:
9:21
